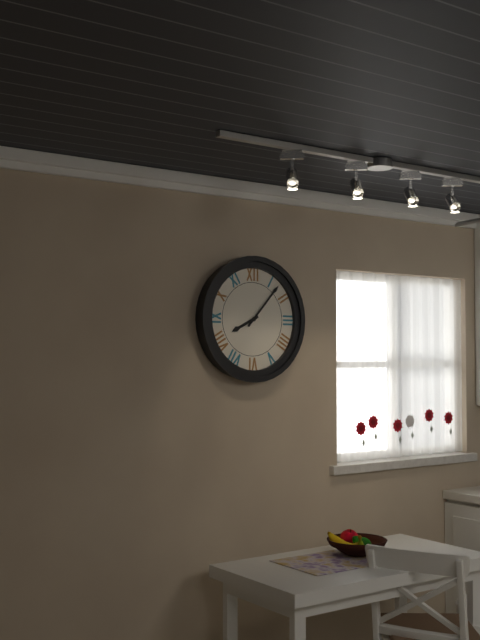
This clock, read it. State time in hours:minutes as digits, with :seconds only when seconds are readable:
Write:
8:07
